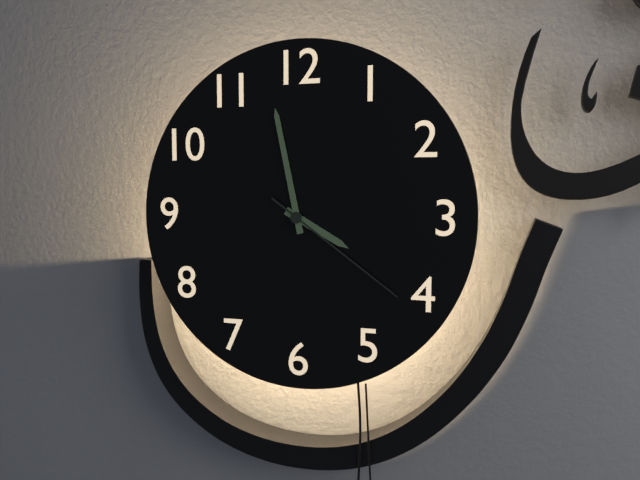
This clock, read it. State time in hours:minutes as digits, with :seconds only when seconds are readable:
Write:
3:58:21
